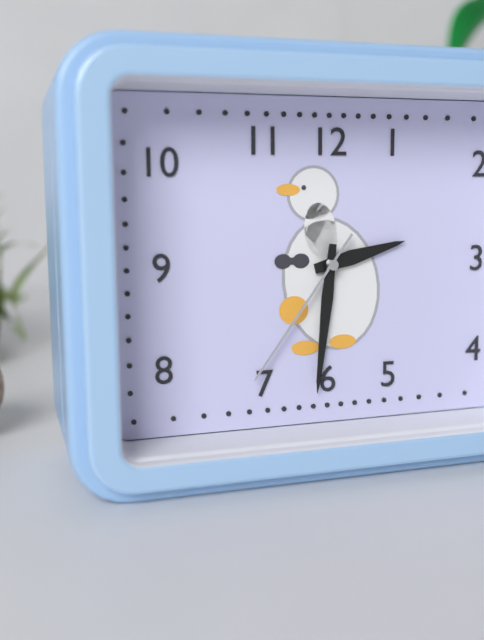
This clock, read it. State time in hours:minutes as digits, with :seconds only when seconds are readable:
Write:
2:31:36
